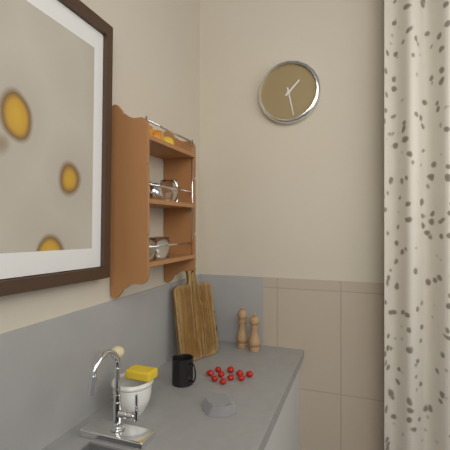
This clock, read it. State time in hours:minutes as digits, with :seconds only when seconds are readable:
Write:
1:28
